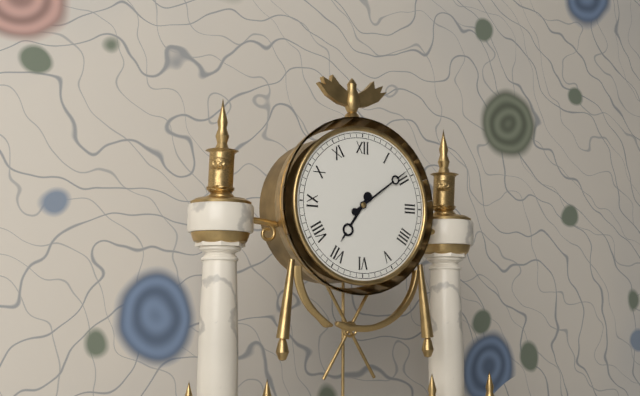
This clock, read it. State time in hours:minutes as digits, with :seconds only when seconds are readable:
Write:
7:09
